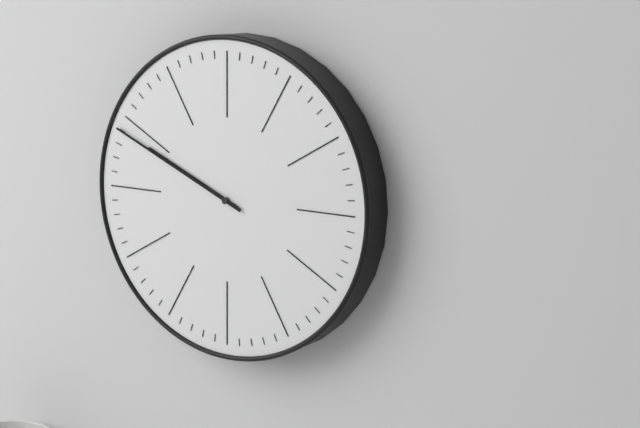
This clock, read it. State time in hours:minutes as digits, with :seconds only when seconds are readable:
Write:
9:49
